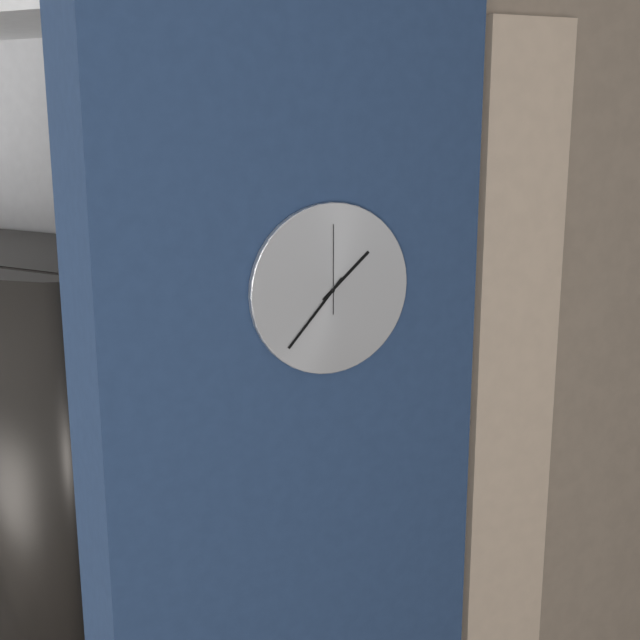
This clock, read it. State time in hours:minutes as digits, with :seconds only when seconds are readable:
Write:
1:37:00
